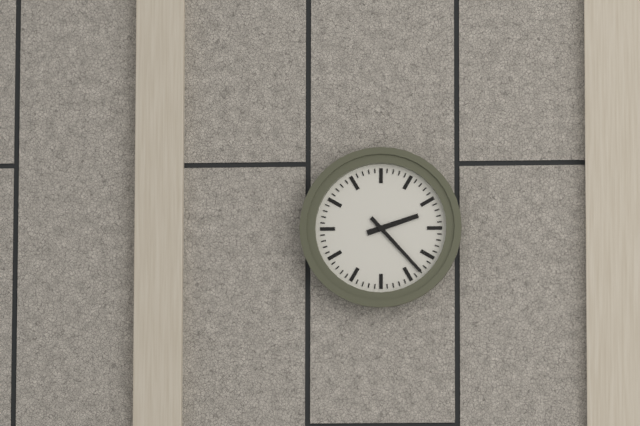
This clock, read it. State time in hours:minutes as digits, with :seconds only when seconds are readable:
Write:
2:23
